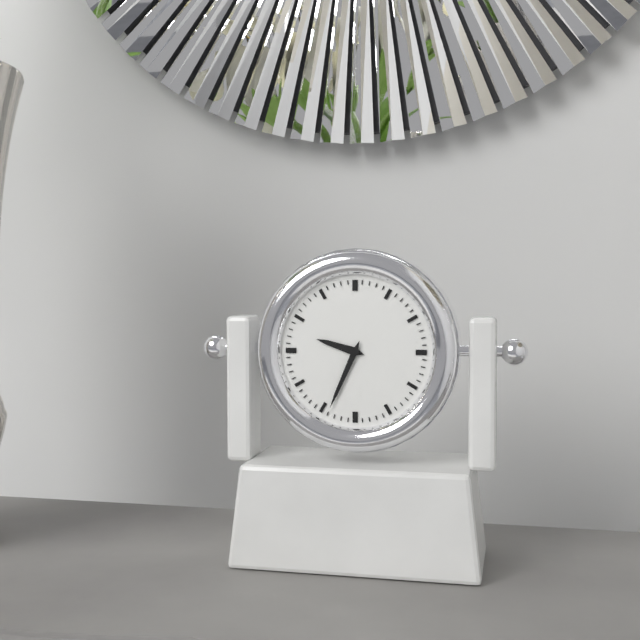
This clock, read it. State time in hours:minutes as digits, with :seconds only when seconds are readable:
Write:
9:34
